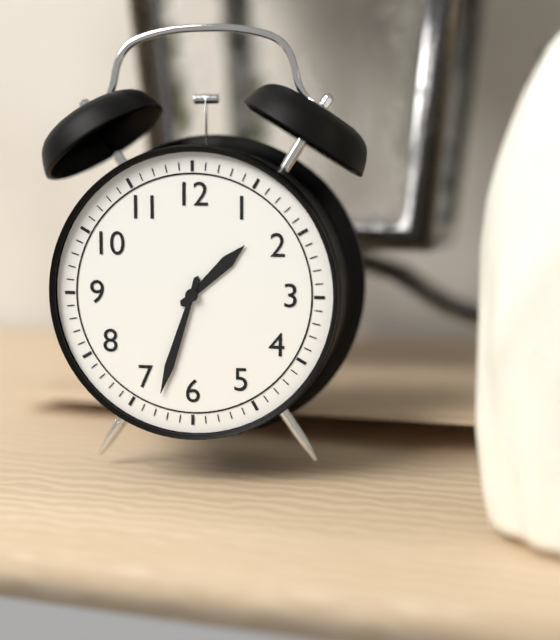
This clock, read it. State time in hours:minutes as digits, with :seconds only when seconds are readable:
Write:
1:33
